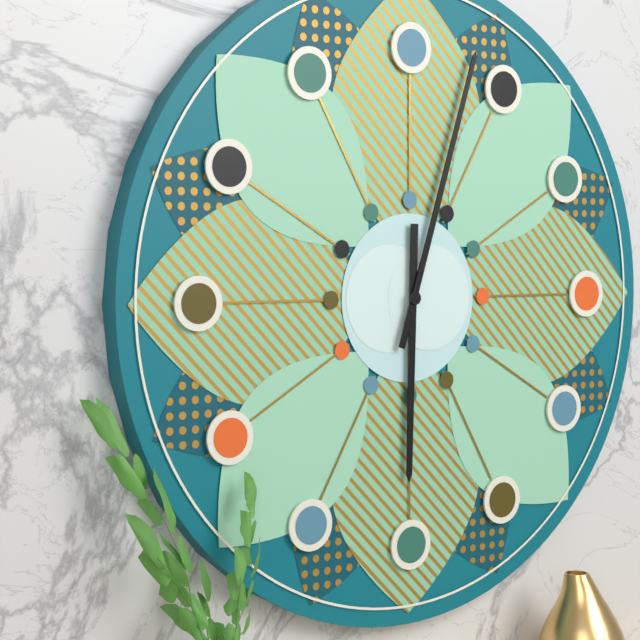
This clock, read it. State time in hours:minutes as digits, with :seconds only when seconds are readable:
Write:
6:03
